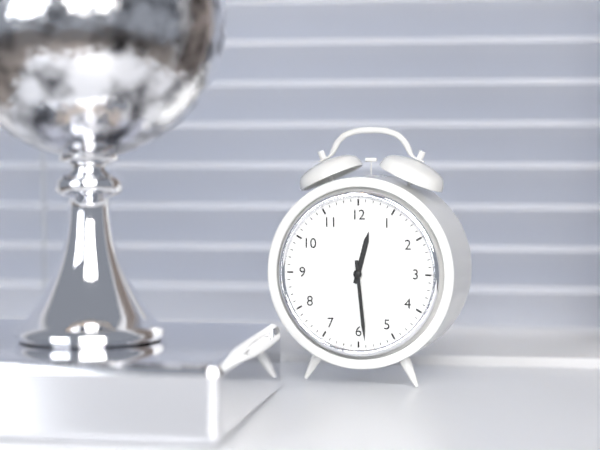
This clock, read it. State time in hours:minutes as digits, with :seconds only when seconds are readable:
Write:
12:29
